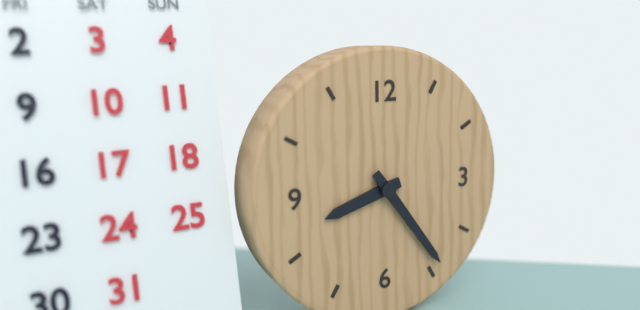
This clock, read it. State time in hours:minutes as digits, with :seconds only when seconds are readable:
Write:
8:24
